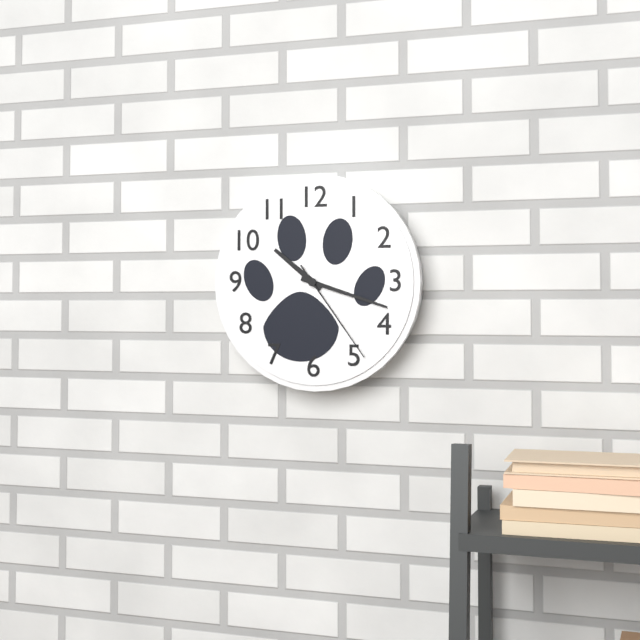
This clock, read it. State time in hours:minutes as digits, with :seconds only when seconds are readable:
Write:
10:18:24
